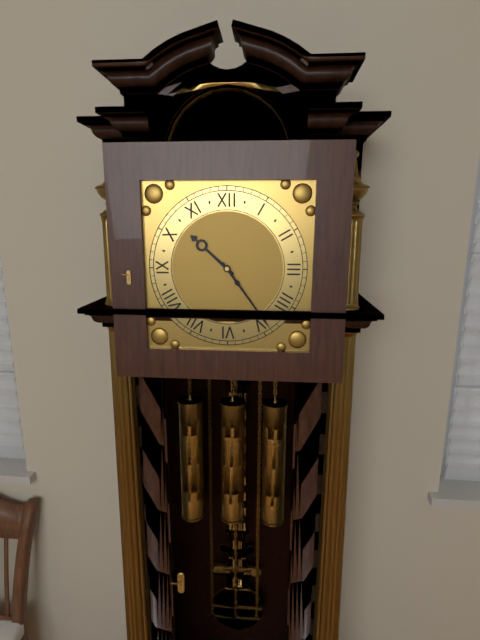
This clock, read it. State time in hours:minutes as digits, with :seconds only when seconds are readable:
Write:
10:24
